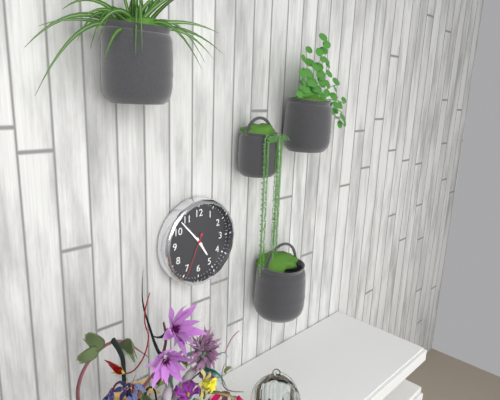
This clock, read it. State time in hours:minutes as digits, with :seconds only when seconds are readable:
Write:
4:53
